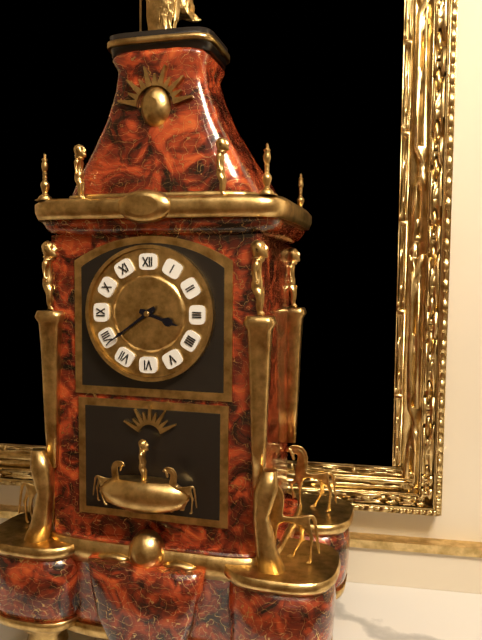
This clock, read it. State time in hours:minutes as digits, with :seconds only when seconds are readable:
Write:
3:39
